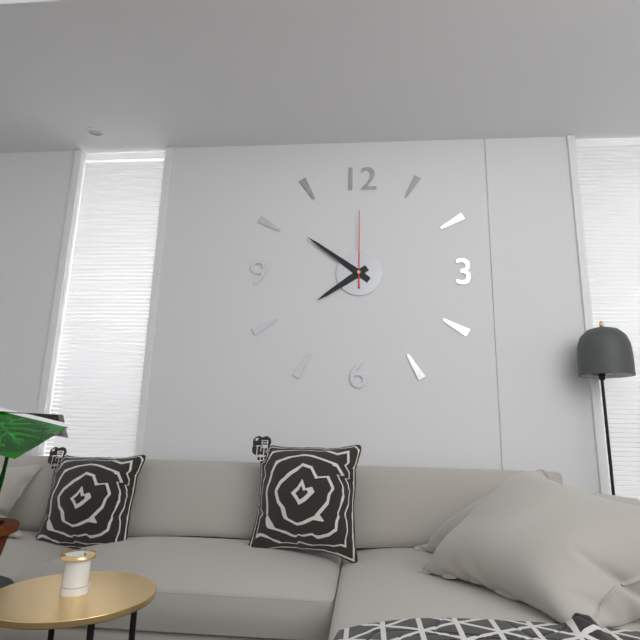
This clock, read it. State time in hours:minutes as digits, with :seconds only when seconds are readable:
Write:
7:51:00
